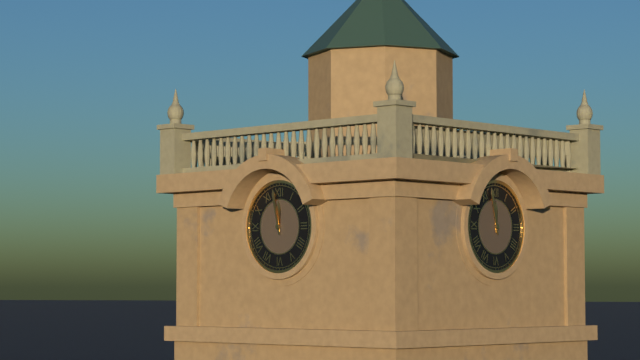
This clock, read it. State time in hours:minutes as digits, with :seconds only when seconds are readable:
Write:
11:58
